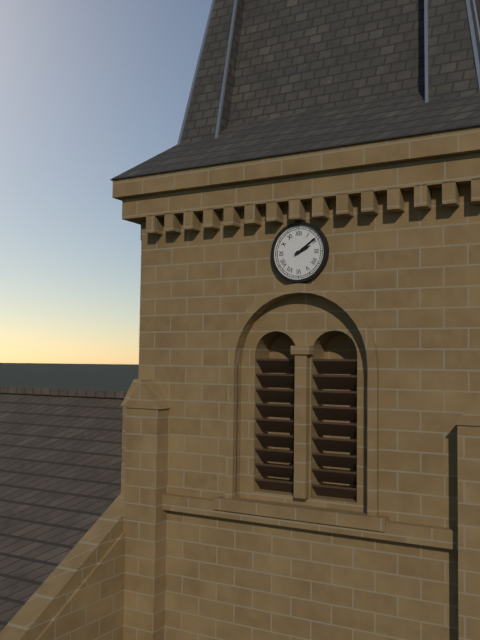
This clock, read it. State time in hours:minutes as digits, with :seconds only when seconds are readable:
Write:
2:09
